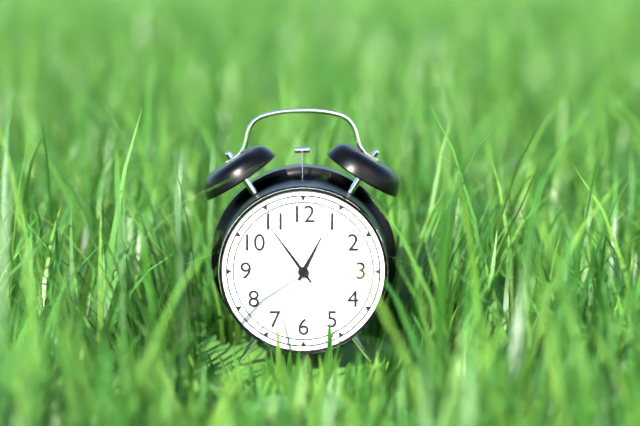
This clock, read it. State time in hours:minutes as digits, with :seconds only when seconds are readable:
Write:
12:54
